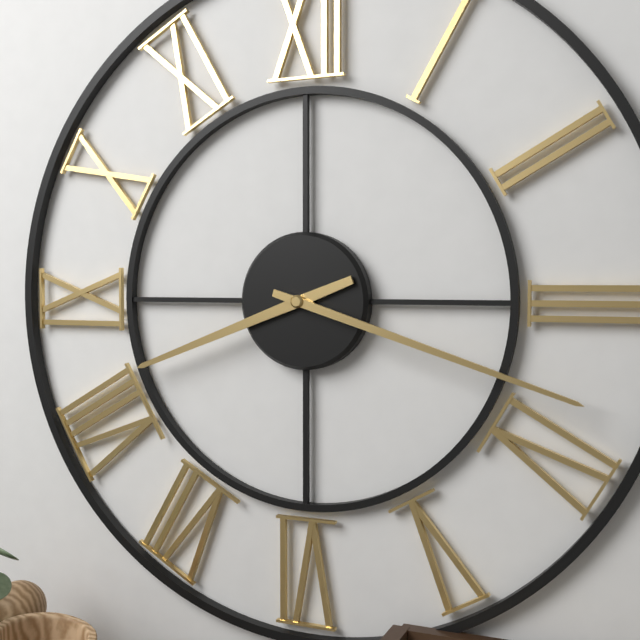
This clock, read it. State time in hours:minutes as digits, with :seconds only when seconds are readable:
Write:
8:18
